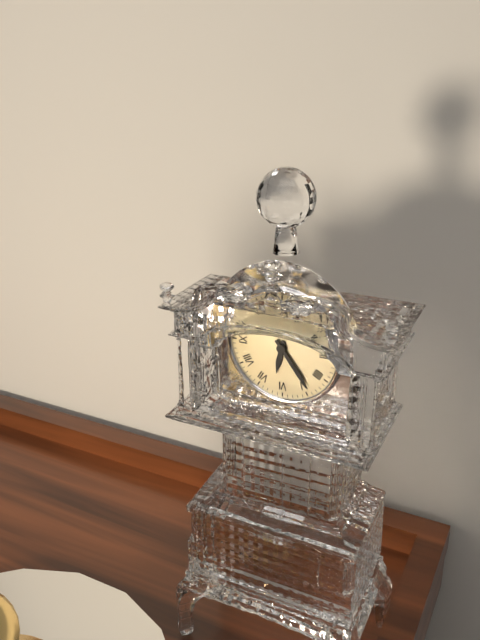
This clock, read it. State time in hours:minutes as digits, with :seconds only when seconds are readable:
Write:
6:24
